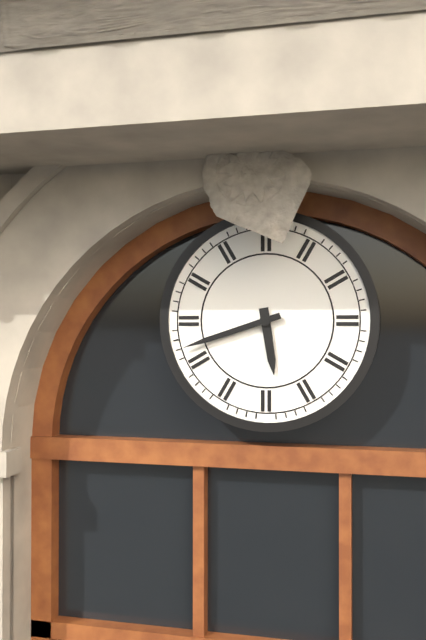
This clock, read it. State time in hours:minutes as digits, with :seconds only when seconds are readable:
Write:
5:42
